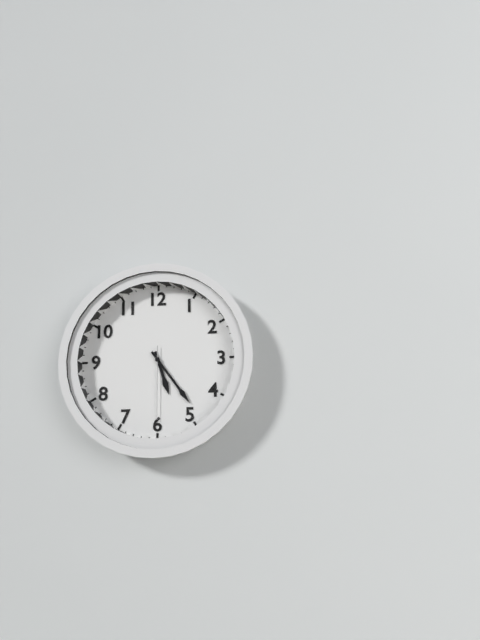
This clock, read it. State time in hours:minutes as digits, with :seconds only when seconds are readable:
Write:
5:24:30
